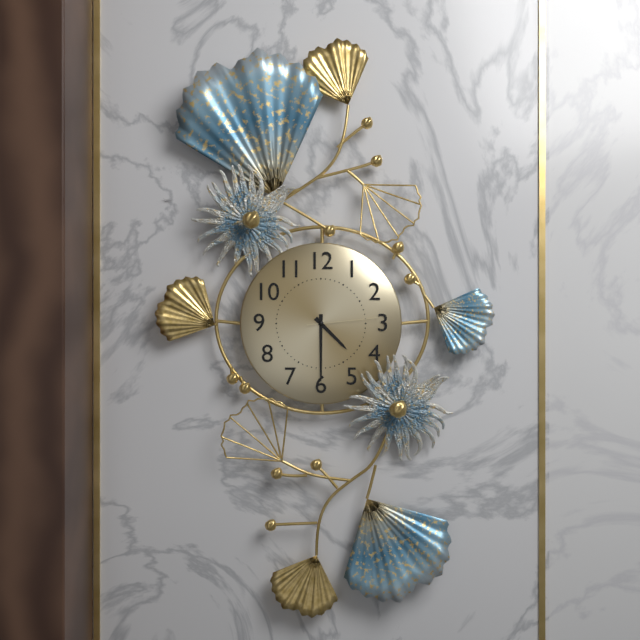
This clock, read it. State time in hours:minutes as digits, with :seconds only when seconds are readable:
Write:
4:30:14
